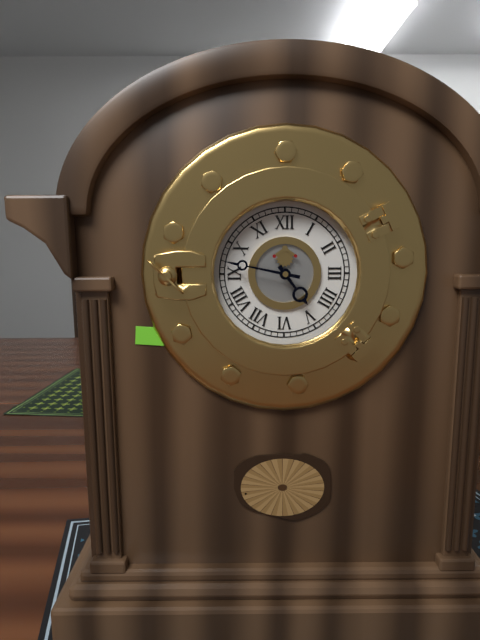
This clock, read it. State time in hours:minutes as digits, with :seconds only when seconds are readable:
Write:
4:47
